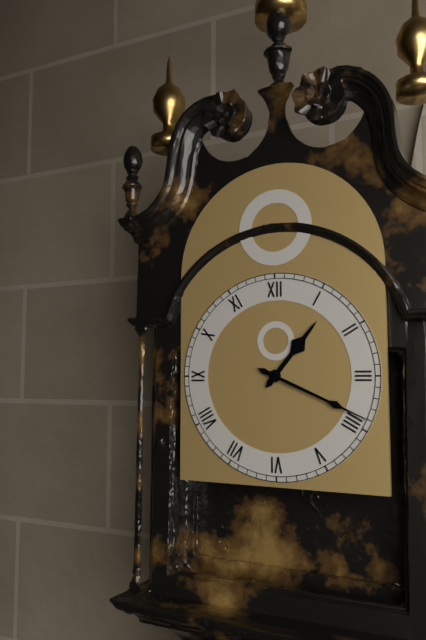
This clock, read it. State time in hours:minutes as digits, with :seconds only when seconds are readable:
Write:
1:19
